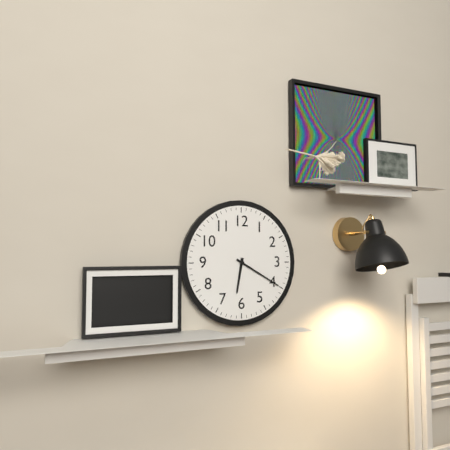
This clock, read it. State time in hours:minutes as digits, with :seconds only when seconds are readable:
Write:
6:20
